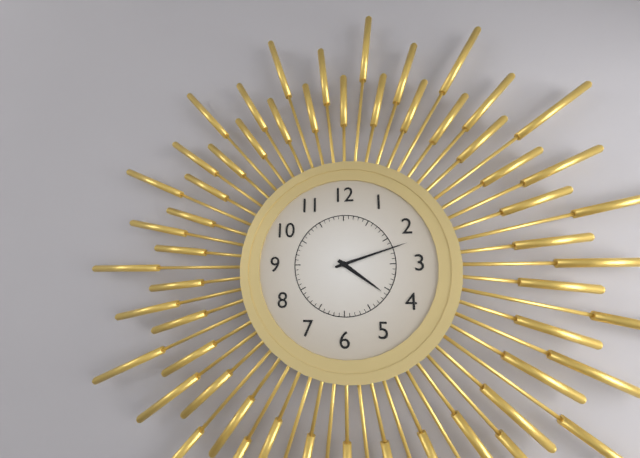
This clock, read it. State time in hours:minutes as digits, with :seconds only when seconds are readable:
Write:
4:12
